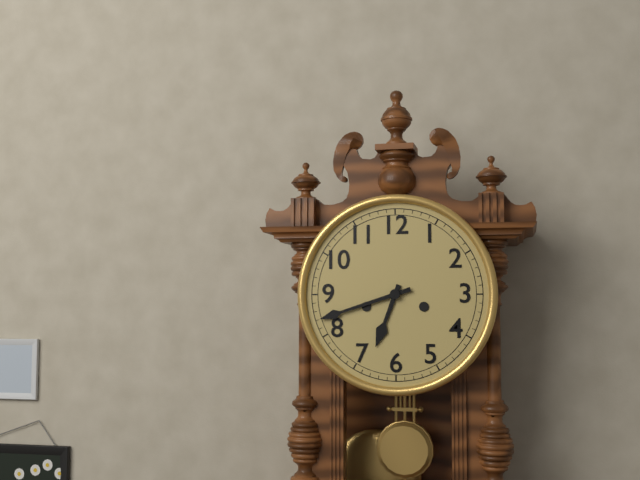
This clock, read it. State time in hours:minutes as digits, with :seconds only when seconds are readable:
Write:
6:42
